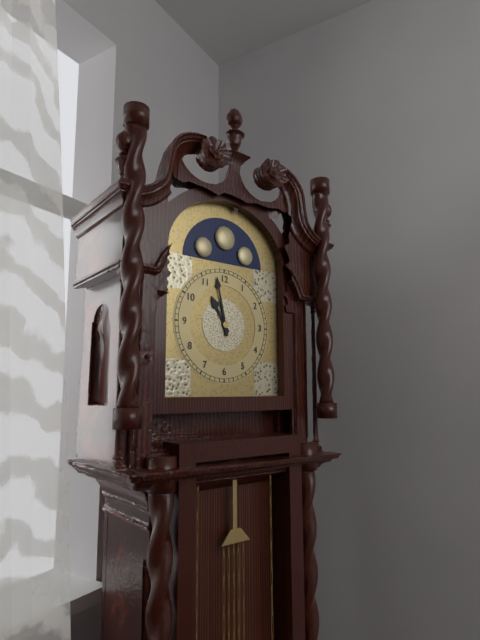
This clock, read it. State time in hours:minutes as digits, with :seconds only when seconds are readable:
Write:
10:58
